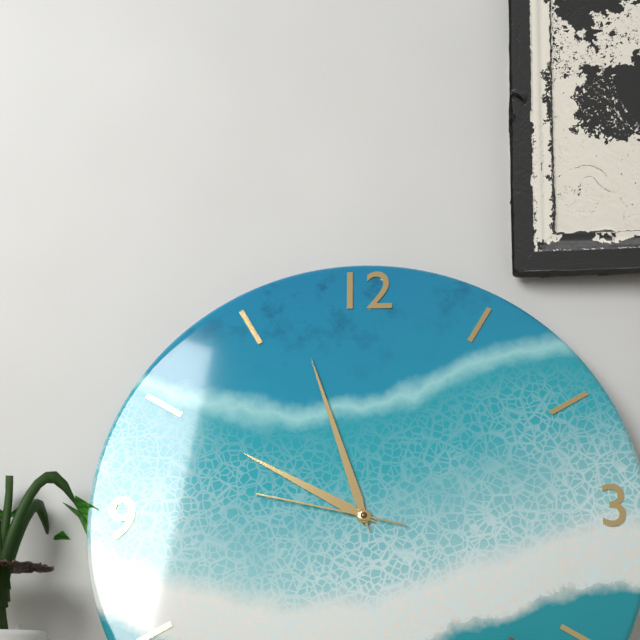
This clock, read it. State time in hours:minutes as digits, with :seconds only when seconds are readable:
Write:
9:57:47
